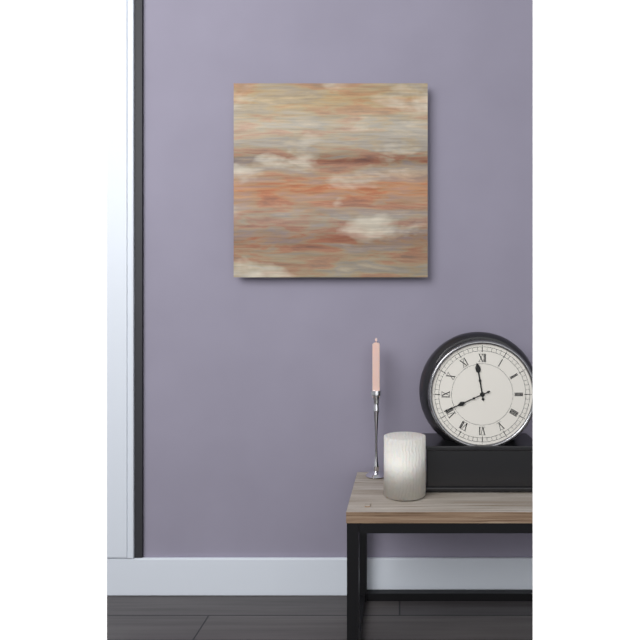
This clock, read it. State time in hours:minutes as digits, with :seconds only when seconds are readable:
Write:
11:41
